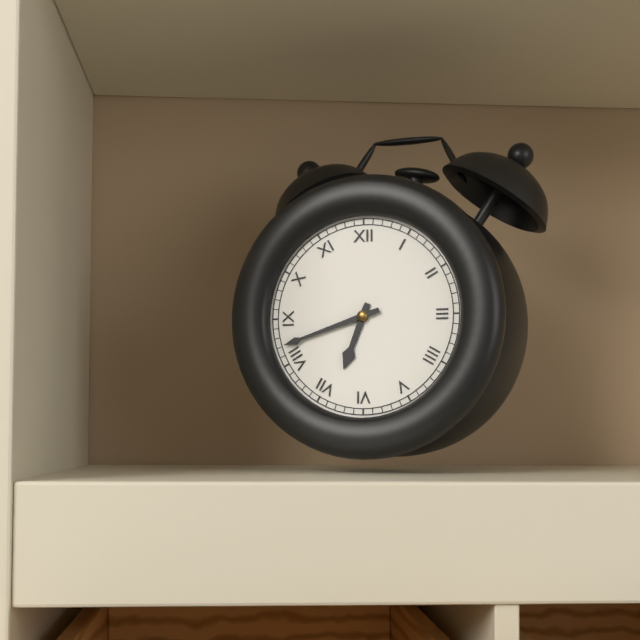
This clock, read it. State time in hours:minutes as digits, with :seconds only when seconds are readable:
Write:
6:42
